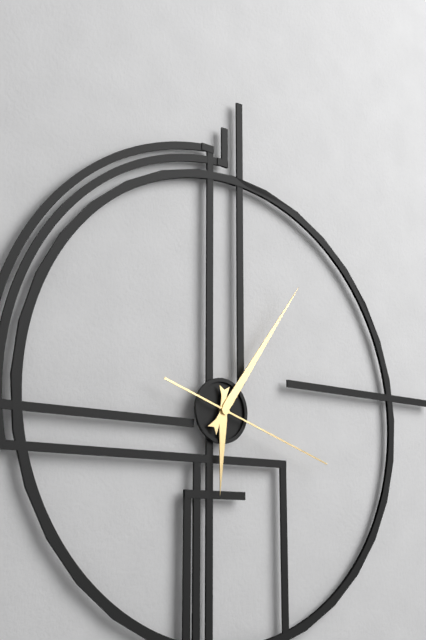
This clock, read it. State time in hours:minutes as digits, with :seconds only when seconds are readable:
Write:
6:06:18
